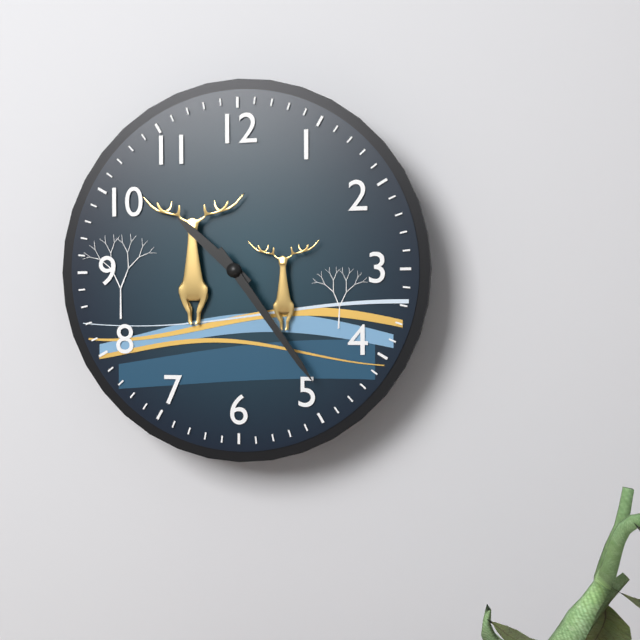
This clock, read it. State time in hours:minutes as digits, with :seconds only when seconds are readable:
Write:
10:24
